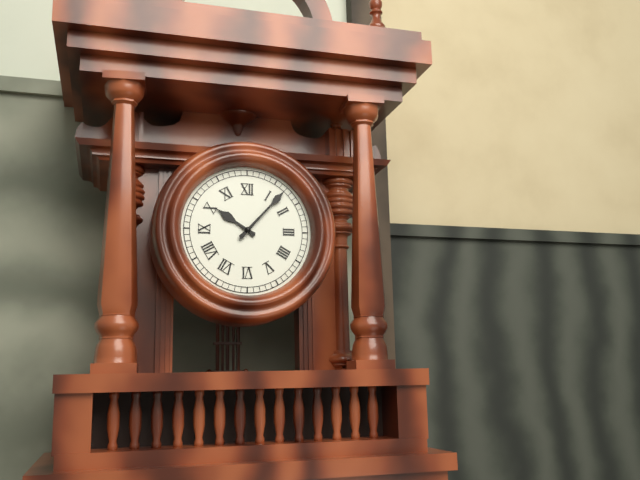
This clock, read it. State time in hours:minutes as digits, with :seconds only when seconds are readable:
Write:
10:07
